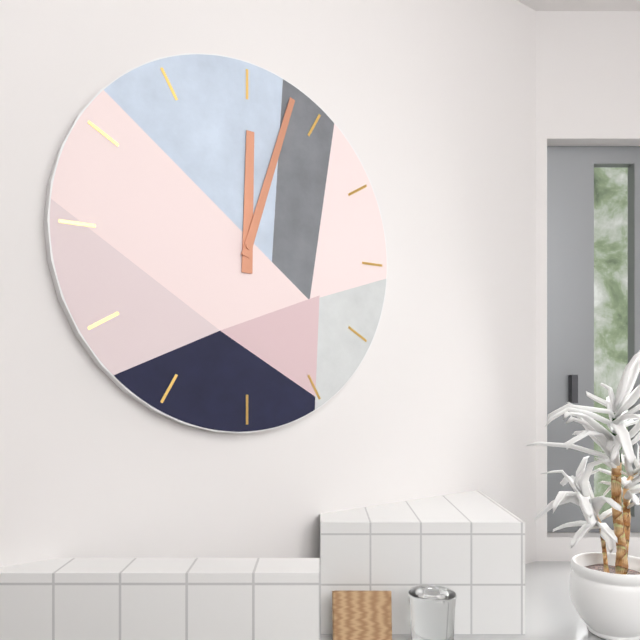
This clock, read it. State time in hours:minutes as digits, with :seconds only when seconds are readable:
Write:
12:03
